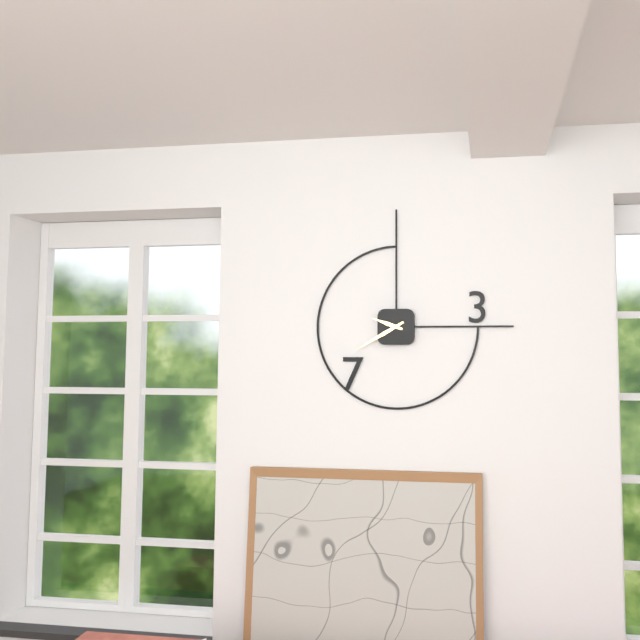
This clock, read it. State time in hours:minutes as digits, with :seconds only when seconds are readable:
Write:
9:40
